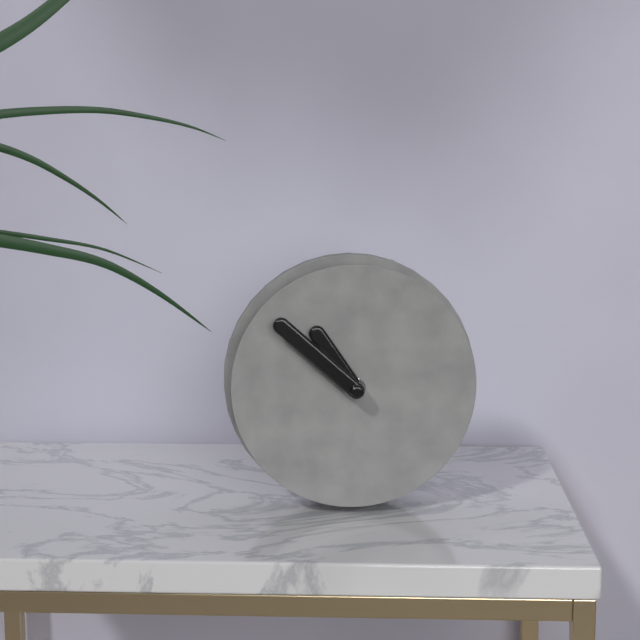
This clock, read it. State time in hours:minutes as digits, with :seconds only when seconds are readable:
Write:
10:52
